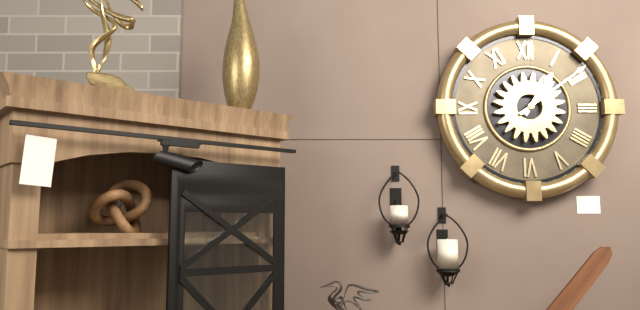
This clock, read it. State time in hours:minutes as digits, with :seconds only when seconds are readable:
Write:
1:09
